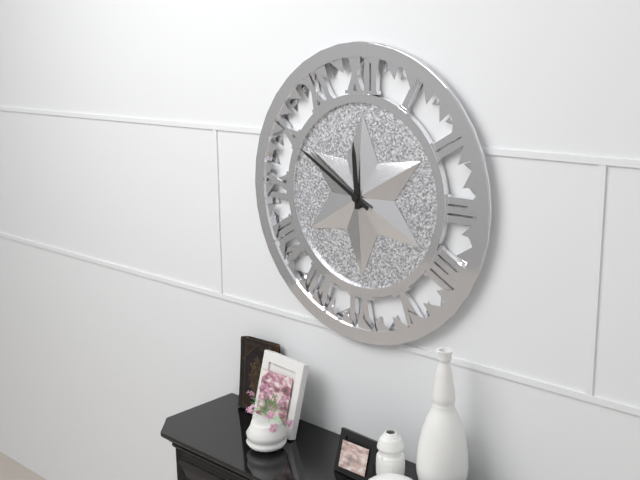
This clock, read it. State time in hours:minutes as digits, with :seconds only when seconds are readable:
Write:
11:50
